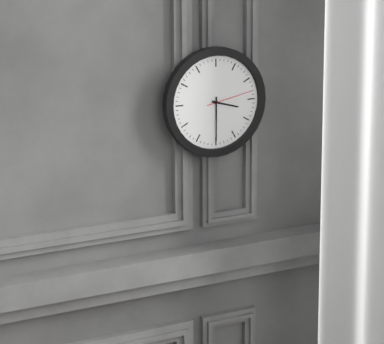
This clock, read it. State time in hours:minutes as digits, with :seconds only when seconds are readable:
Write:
3:30
